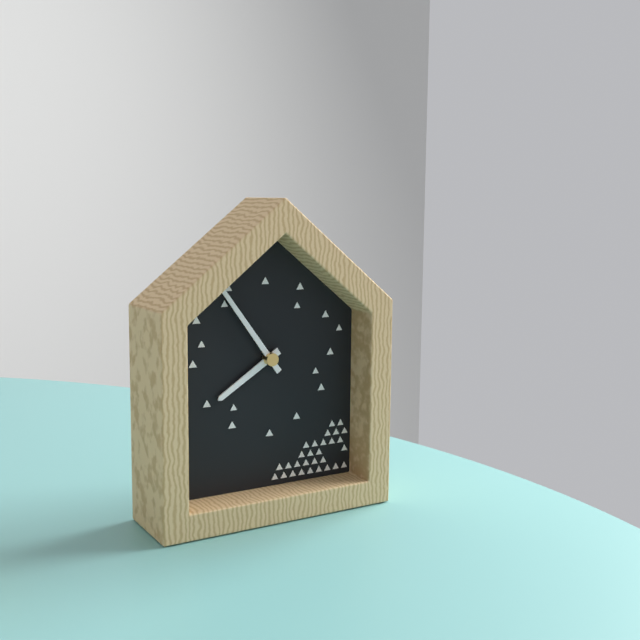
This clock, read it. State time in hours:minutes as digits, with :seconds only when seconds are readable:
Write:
7:54
